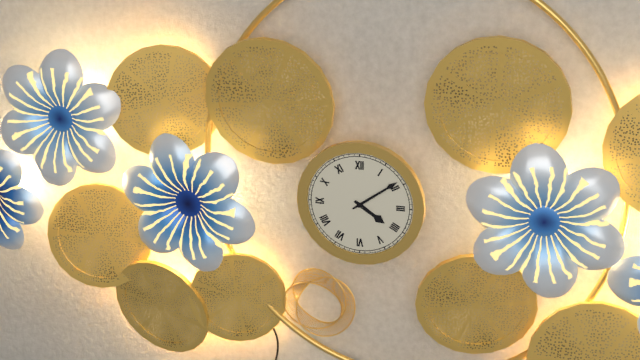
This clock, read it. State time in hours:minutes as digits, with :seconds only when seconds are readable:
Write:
4:09
